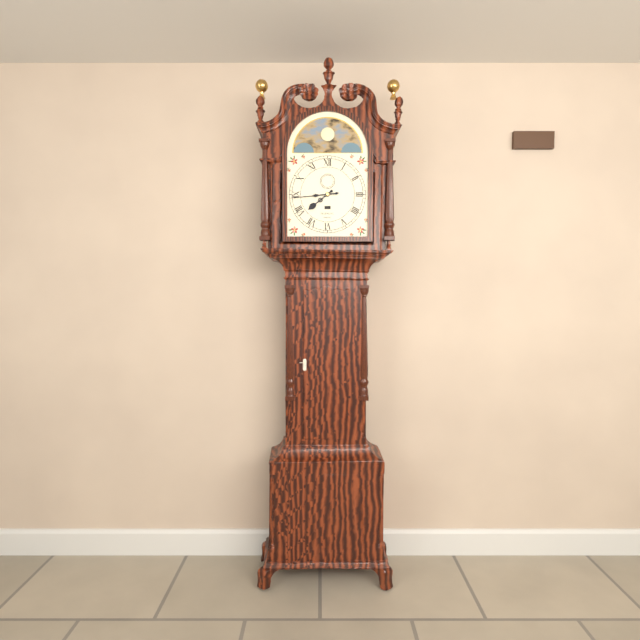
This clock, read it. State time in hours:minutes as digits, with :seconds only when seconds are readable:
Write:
7:44
